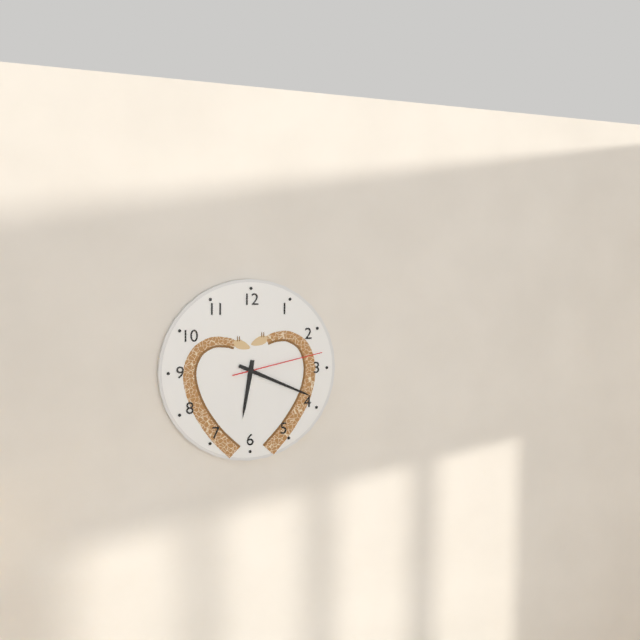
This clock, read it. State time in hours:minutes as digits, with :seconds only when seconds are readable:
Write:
6:19:13
